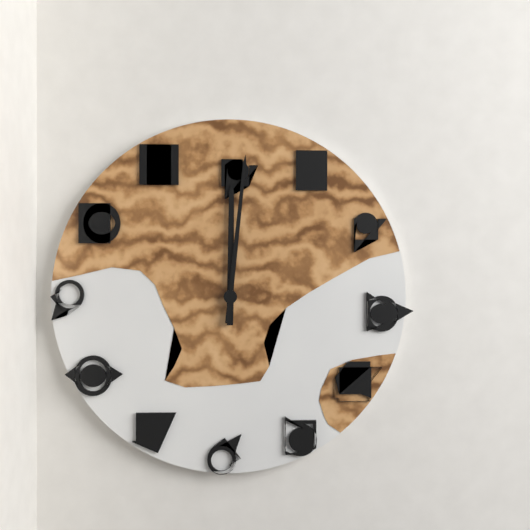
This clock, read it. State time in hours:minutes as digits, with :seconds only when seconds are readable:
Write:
12:01
